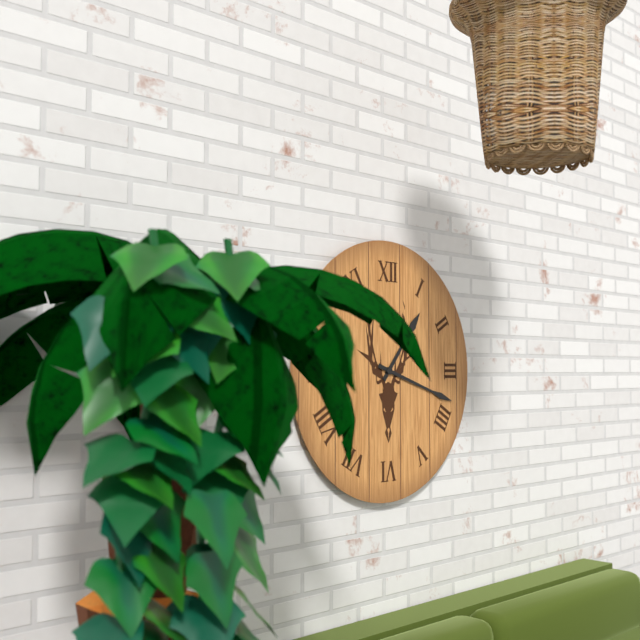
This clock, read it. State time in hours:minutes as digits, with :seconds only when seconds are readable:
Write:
1:18
